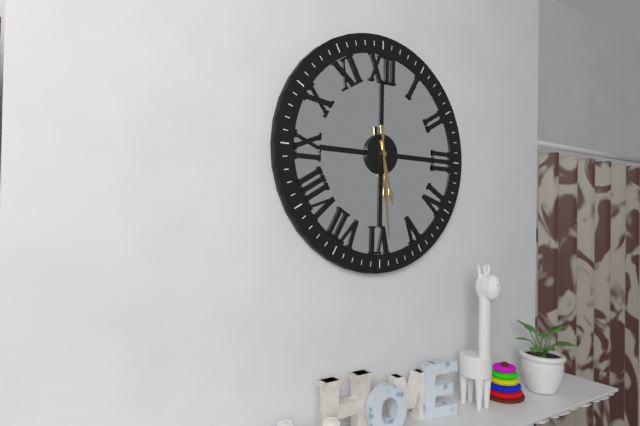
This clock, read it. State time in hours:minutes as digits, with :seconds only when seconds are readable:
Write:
5:29
